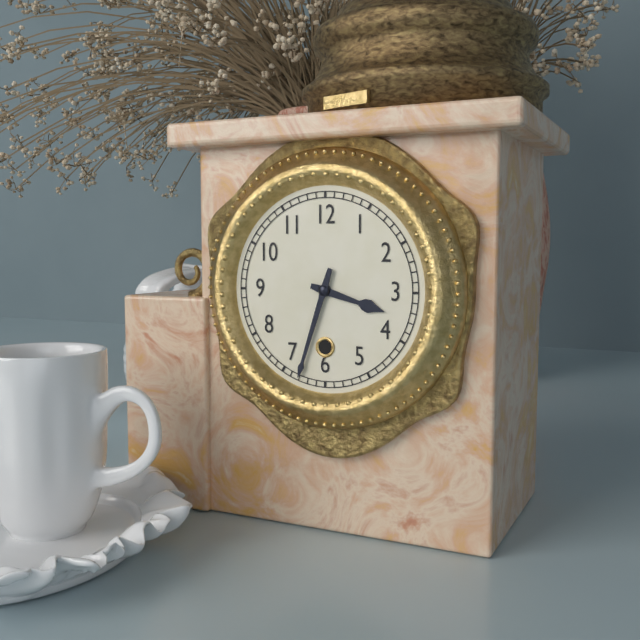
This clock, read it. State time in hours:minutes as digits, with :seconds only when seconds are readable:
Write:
3:33
